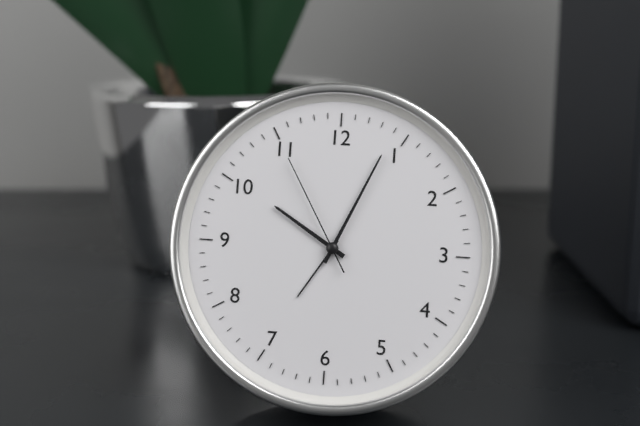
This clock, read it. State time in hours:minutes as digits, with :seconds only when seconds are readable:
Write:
10:04:55
